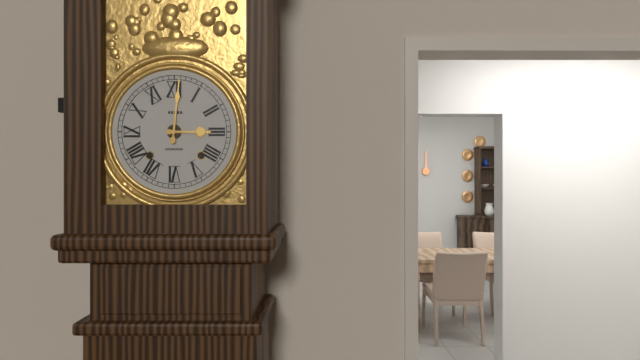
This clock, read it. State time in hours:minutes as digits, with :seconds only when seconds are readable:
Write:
3:01
